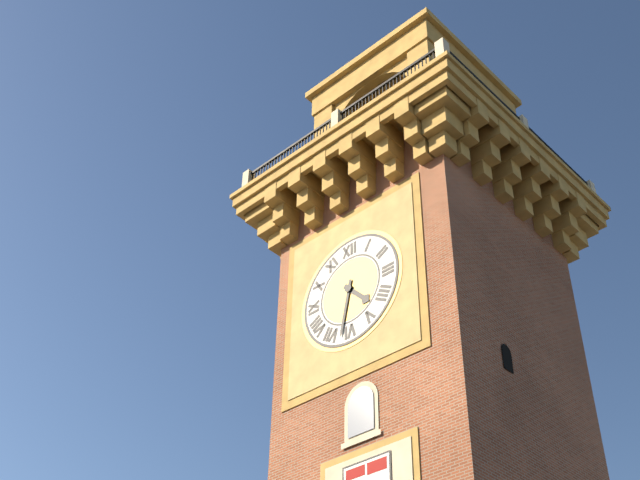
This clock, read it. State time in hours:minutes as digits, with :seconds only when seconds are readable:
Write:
4:32
